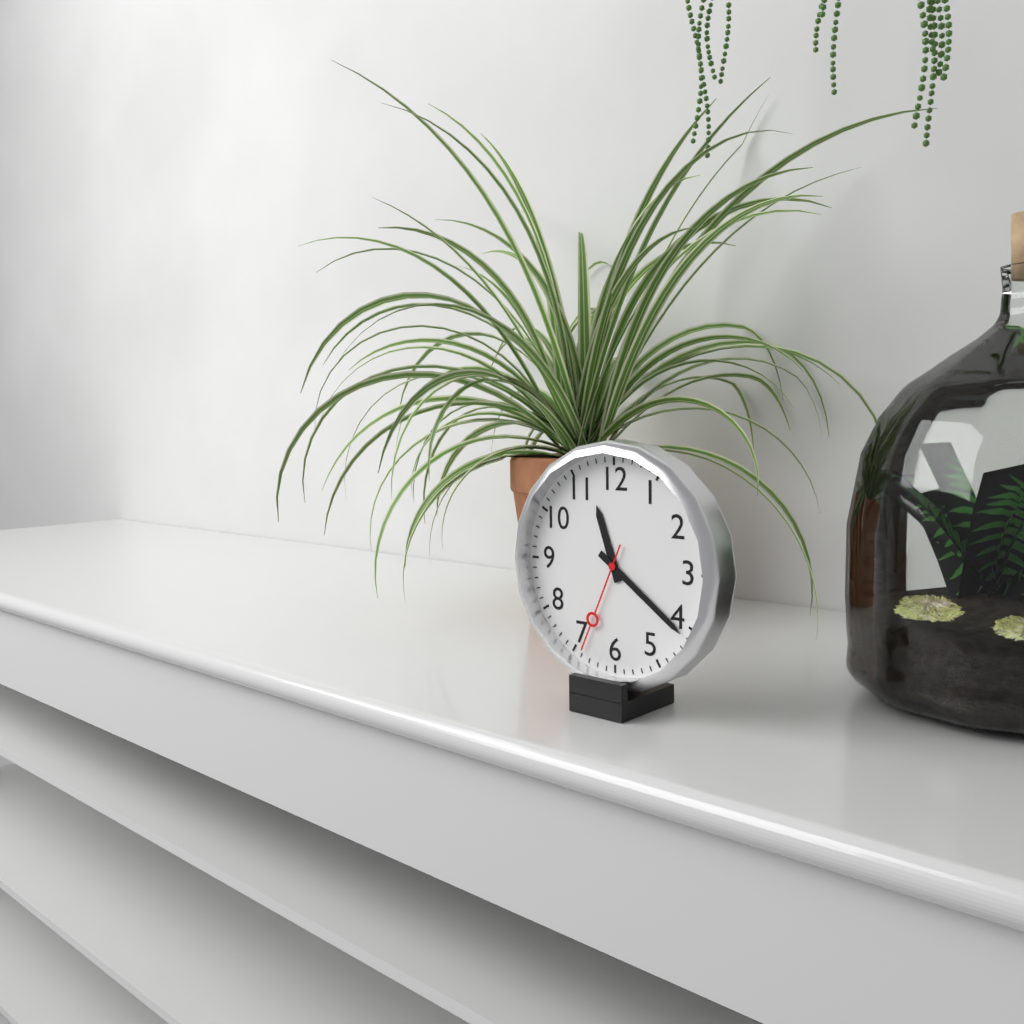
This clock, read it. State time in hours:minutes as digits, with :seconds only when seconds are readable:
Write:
11:21:34
